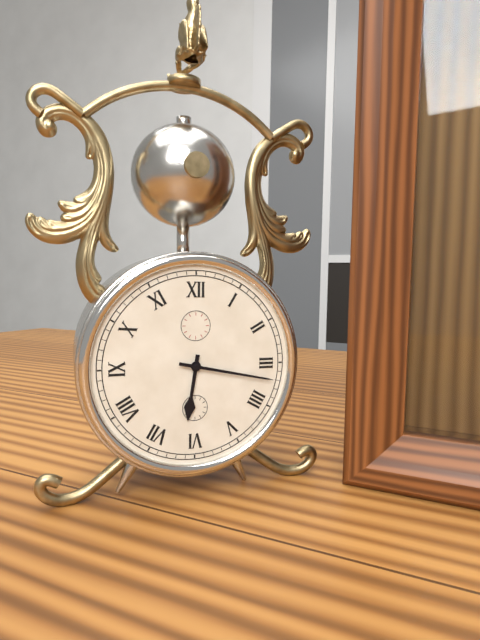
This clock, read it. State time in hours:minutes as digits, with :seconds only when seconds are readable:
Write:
6:17
